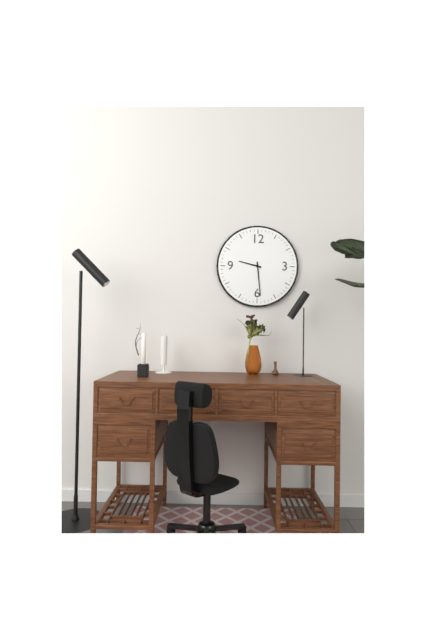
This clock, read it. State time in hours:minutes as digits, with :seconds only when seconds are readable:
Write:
9:29
